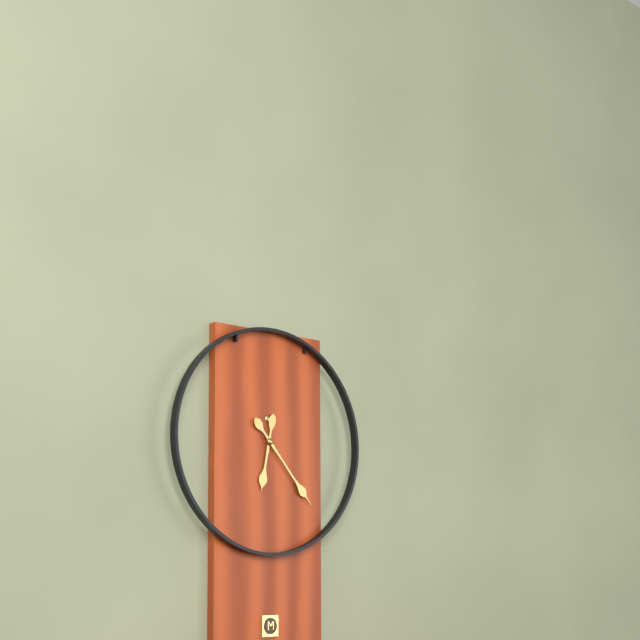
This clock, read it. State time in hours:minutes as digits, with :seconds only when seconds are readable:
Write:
6:23
